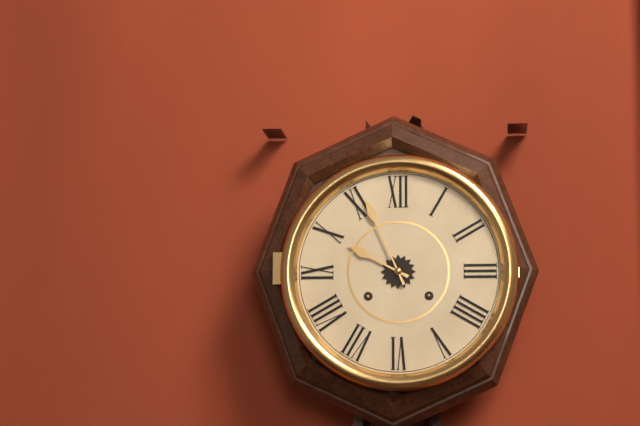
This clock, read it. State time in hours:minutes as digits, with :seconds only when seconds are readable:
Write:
9:56
